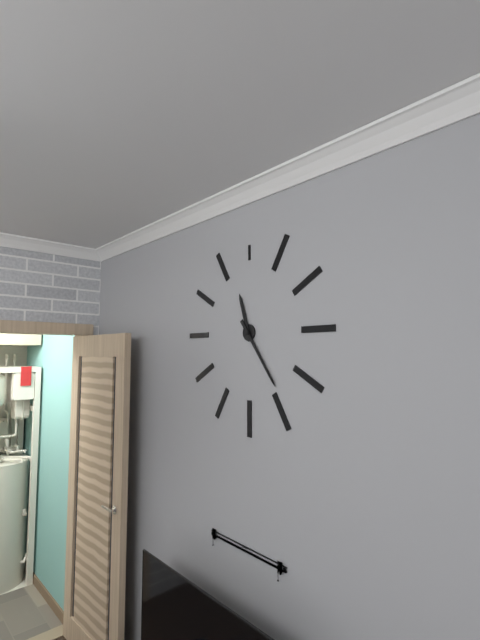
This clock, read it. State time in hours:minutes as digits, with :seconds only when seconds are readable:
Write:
11:24
